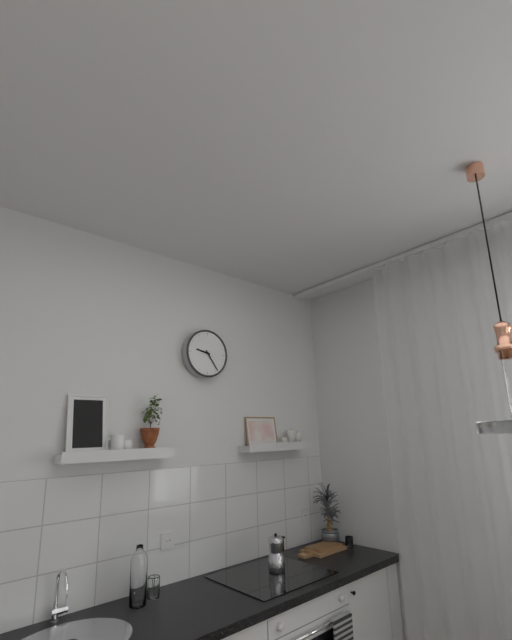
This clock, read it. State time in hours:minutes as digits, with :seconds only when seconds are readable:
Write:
9:24
